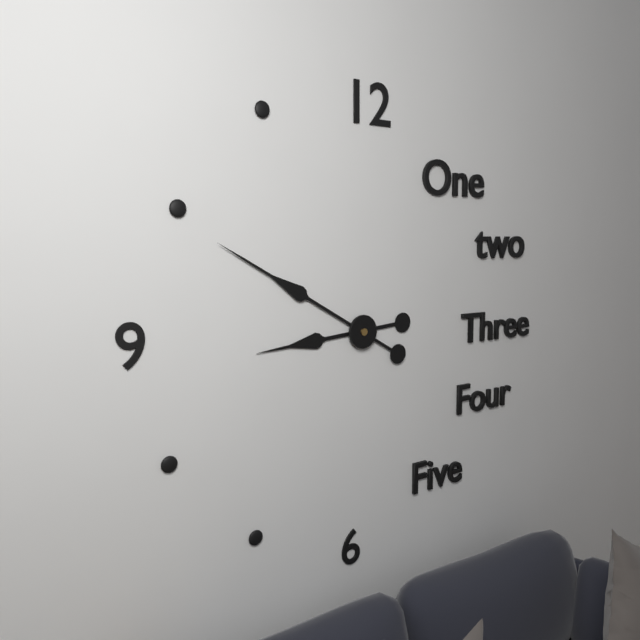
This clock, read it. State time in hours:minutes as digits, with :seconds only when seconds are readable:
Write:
8:50
